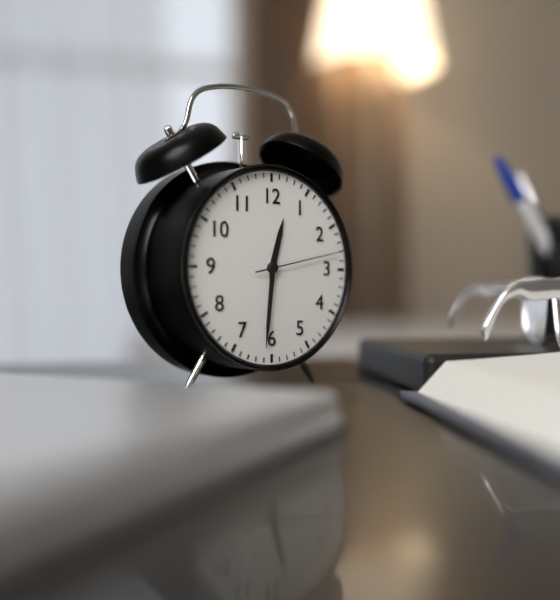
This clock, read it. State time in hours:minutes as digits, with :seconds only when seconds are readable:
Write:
12:31:13
